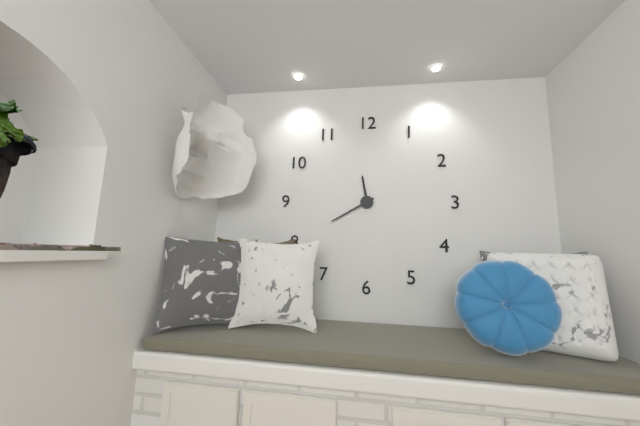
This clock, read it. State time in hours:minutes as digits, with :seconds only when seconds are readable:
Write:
11:40
